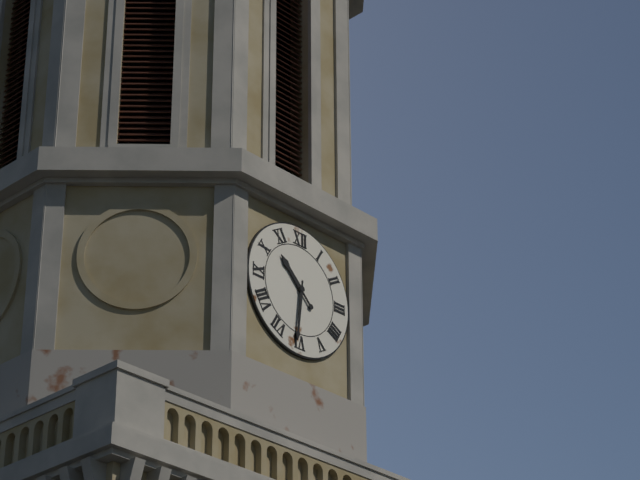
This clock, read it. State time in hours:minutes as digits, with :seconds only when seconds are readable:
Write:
10:31
